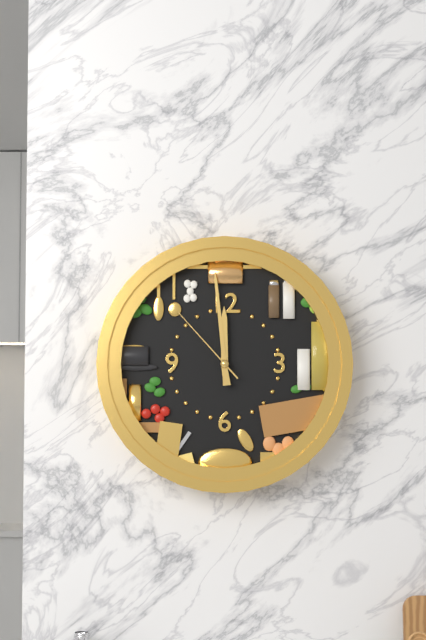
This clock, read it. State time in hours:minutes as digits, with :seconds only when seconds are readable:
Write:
11:59:53
